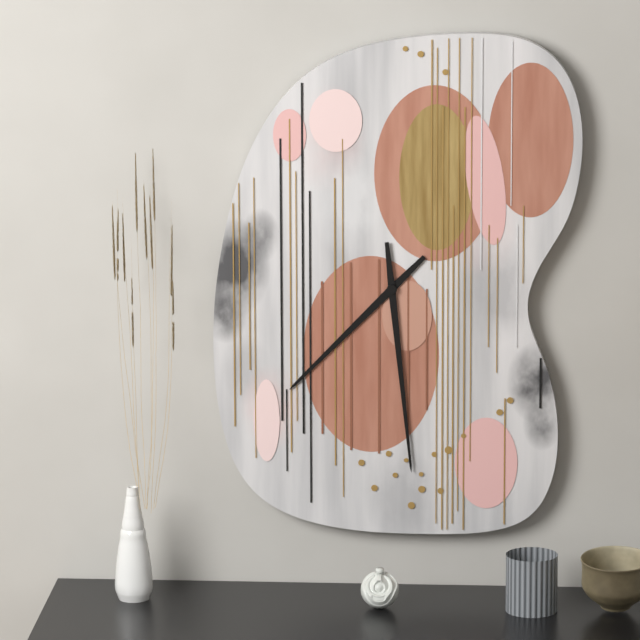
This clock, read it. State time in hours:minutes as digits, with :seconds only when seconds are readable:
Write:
7:29
